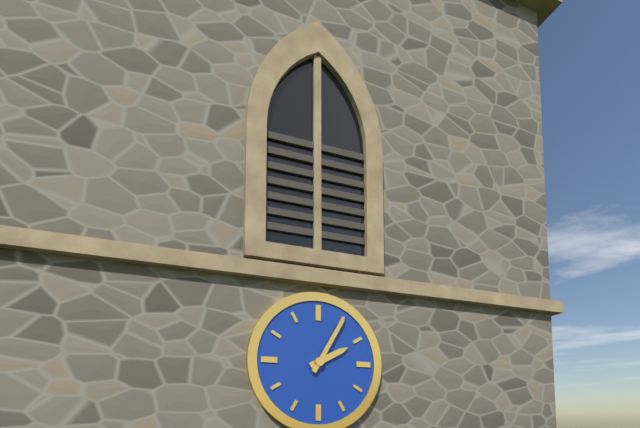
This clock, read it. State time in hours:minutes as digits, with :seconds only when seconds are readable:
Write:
2:05
